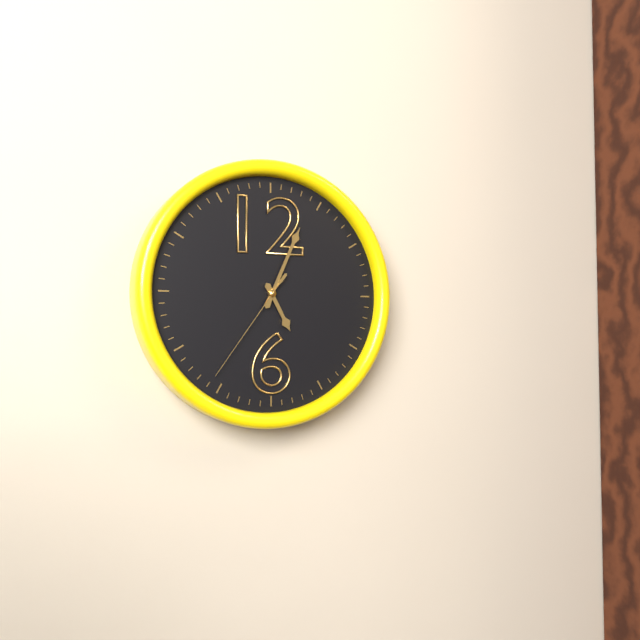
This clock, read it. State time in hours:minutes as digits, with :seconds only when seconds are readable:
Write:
5:04:36
